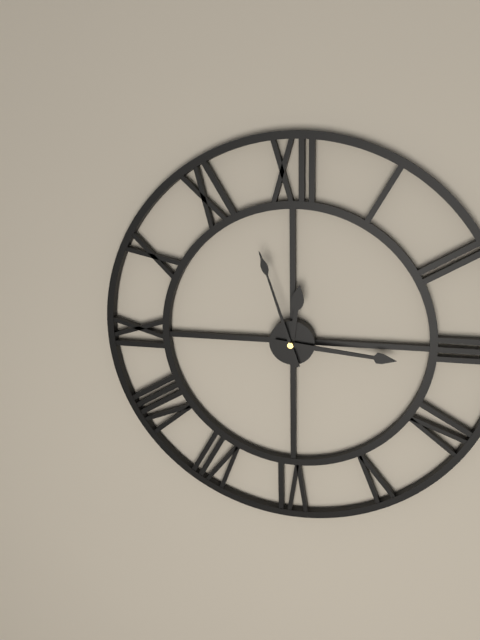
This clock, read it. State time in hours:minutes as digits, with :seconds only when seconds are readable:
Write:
12:16:57
